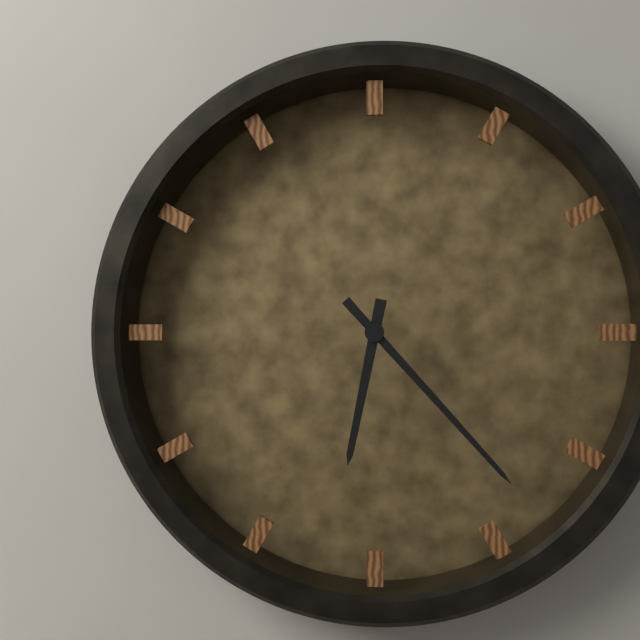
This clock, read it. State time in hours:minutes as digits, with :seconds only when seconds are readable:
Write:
6:23
